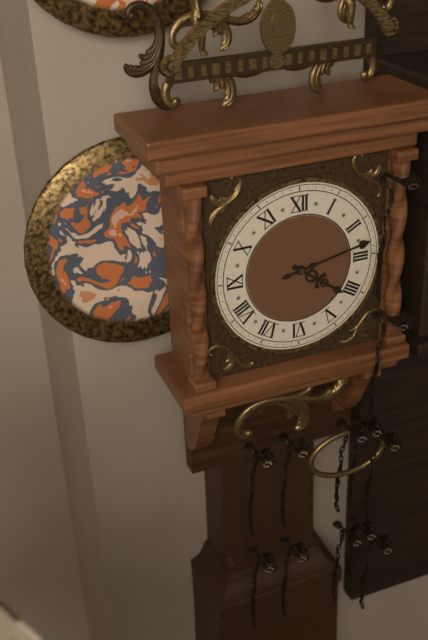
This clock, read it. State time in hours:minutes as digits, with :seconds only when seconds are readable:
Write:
4:13
